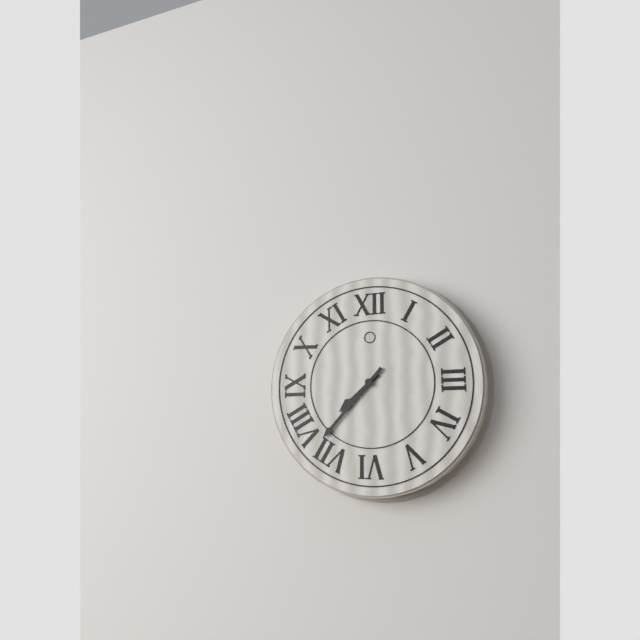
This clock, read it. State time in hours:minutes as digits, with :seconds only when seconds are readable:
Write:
7:37
